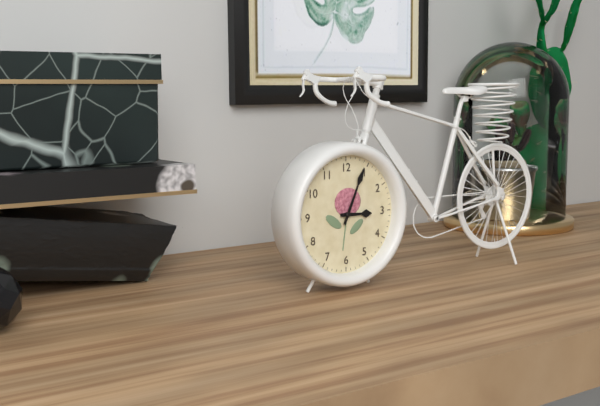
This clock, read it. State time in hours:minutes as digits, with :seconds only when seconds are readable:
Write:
3:04
